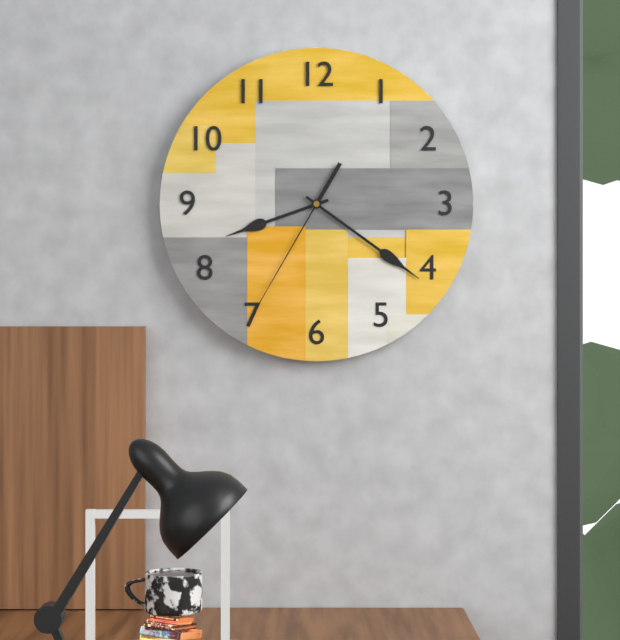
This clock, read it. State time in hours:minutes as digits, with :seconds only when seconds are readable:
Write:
8:21:35
